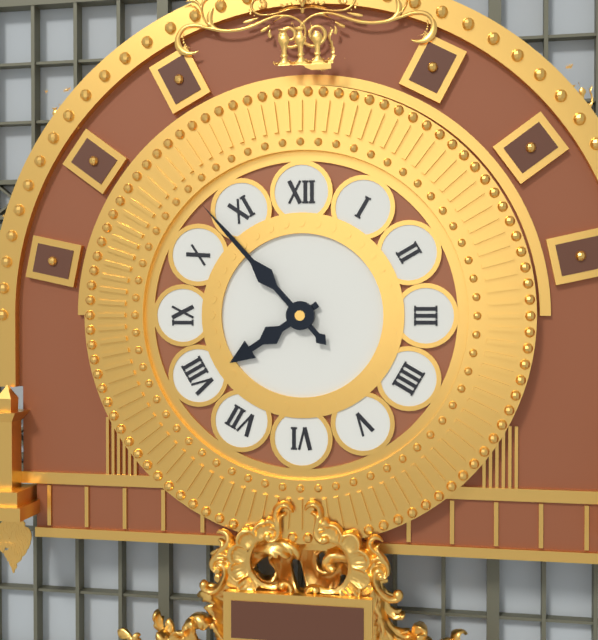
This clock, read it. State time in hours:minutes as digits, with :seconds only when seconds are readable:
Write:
7:53
